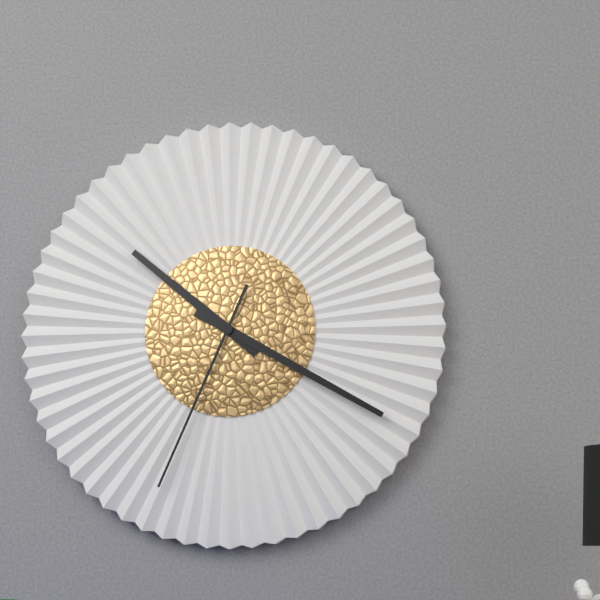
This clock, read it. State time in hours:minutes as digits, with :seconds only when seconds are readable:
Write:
10:20:34
